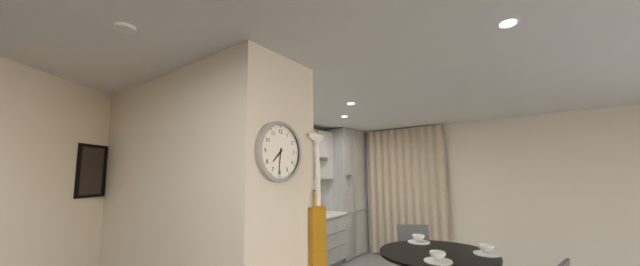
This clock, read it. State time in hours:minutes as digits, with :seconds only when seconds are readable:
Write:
7:31
